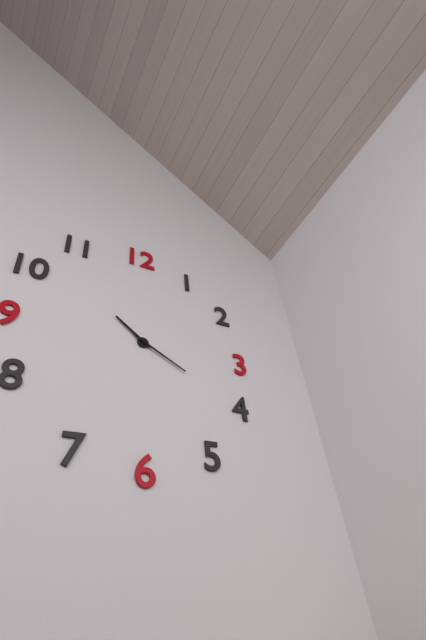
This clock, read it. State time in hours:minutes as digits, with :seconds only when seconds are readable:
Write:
10:20
